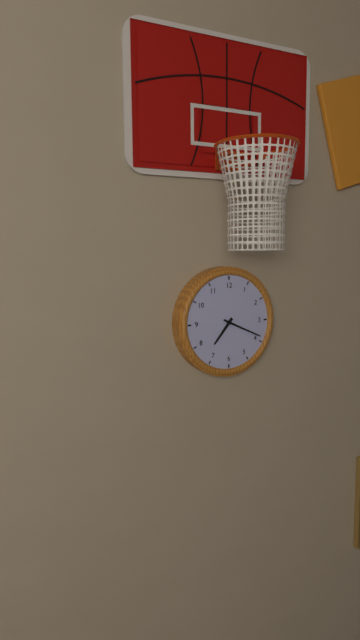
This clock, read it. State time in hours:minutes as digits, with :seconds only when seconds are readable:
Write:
7:19
